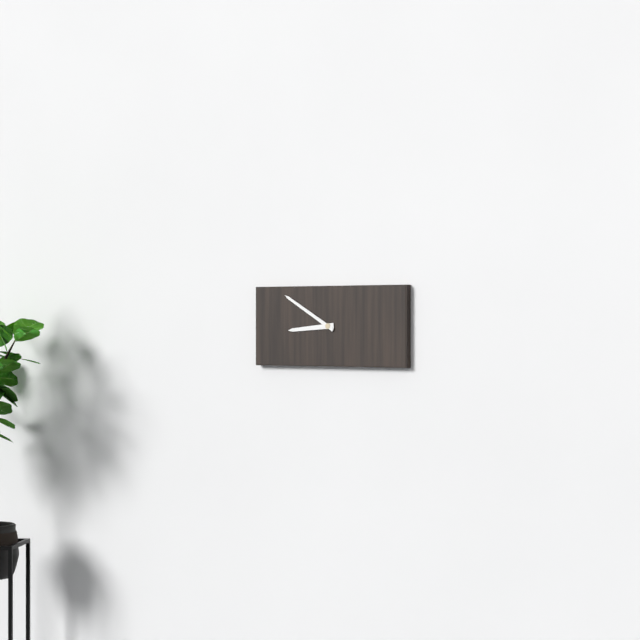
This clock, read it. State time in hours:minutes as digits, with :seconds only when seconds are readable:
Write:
8:50
